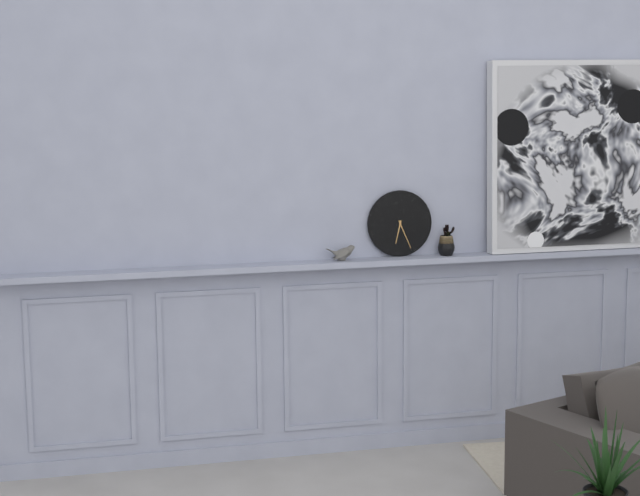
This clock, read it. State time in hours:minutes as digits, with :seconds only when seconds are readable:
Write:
6:26
